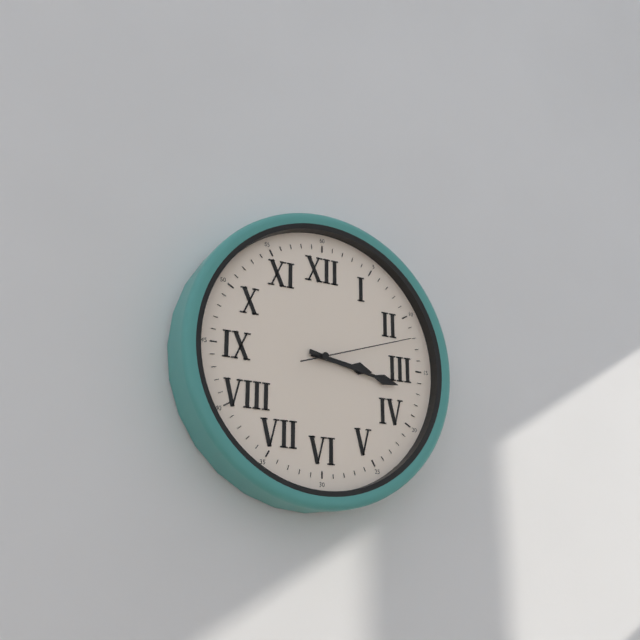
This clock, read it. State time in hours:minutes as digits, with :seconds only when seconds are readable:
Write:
3:17:12
